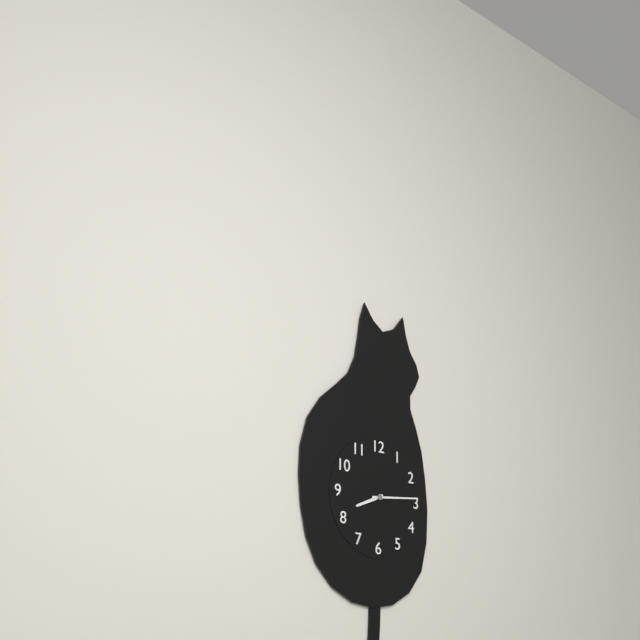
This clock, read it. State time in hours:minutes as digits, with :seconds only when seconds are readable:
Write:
8:14
